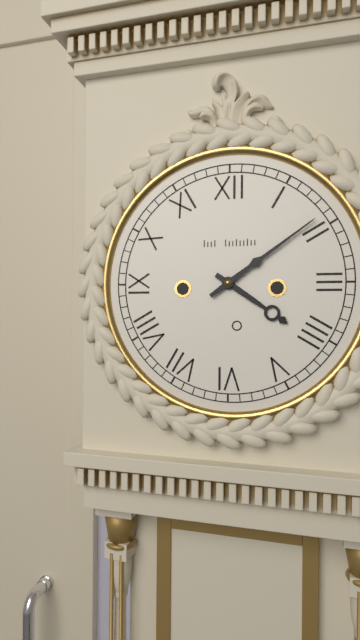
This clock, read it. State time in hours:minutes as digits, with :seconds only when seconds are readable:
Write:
4:09
